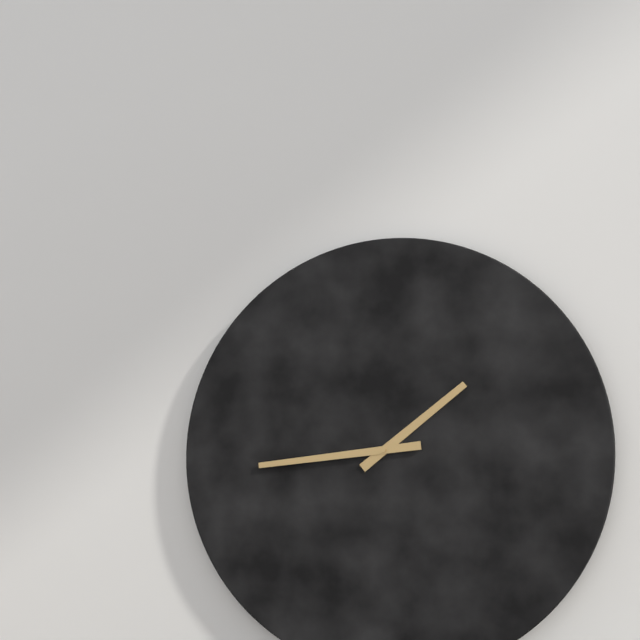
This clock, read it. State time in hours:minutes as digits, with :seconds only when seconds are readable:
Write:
1:44
